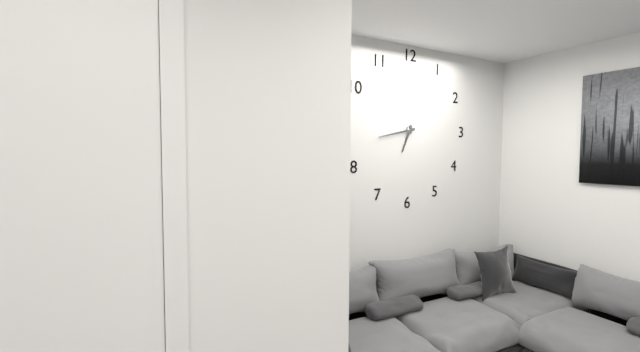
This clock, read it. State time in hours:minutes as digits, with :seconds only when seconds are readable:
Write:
6:43
